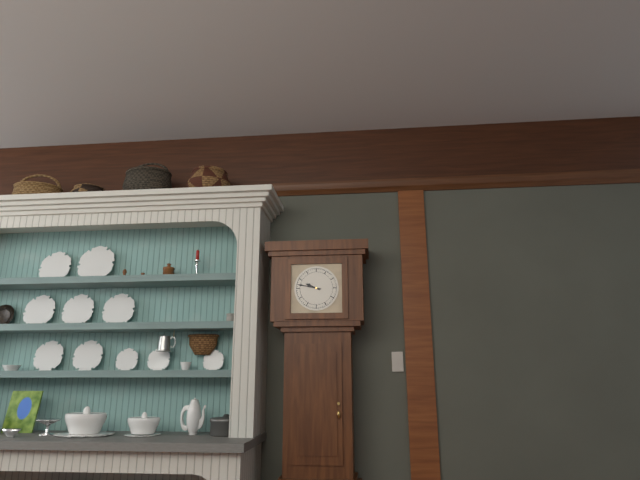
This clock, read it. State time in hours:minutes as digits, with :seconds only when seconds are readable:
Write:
9:47
